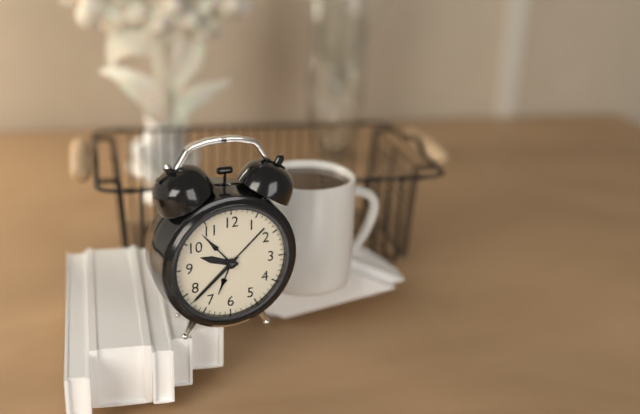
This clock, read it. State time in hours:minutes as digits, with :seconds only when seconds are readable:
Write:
9:38
